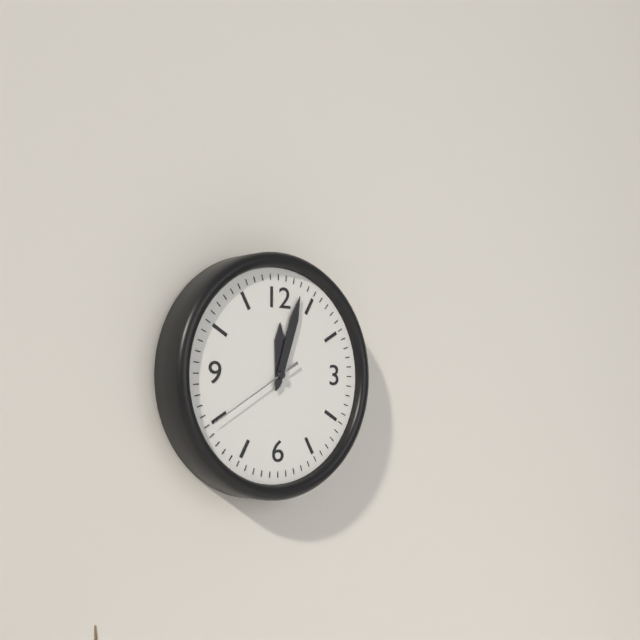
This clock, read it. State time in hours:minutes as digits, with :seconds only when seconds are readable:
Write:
12:03:40
